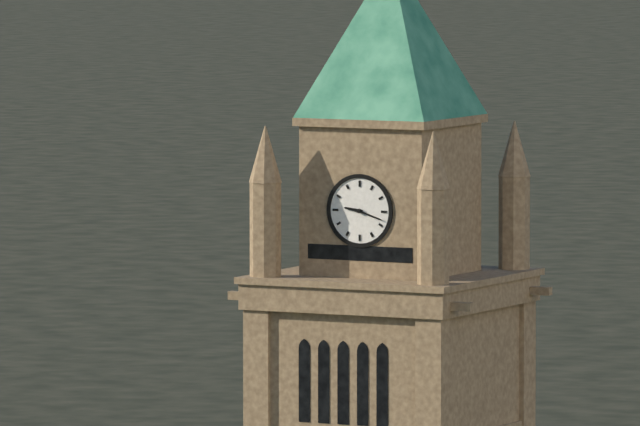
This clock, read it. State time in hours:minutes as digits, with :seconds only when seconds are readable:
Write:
9:18
